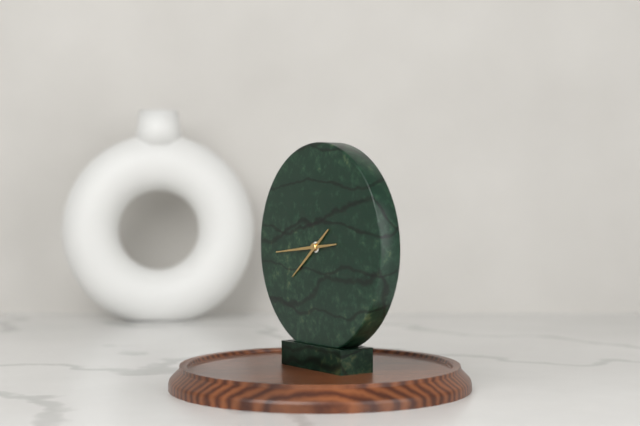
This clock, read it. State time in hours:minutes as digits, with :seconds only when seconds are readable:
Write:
7:44
